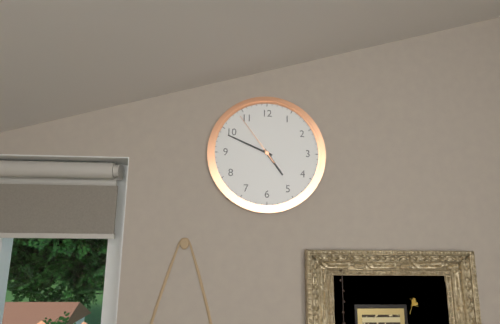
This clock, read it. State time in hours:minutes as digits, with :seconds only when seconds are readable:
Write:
4:49:54
